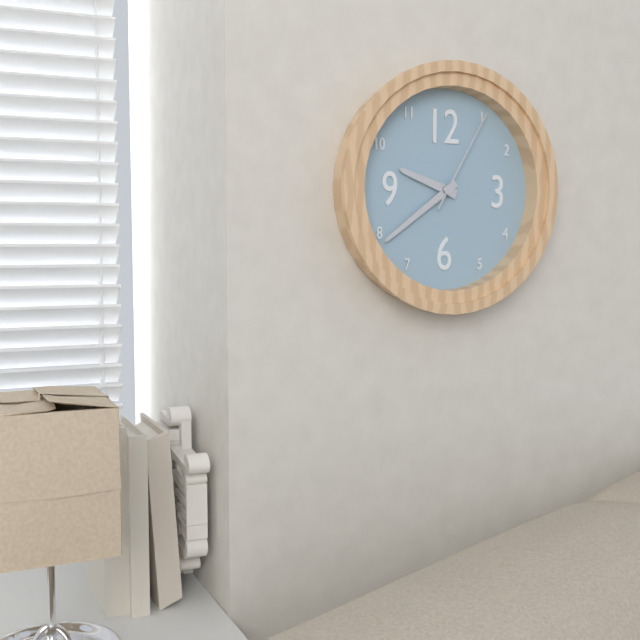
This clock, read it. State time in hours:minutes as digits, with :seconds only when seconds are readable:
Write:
9:39:05
